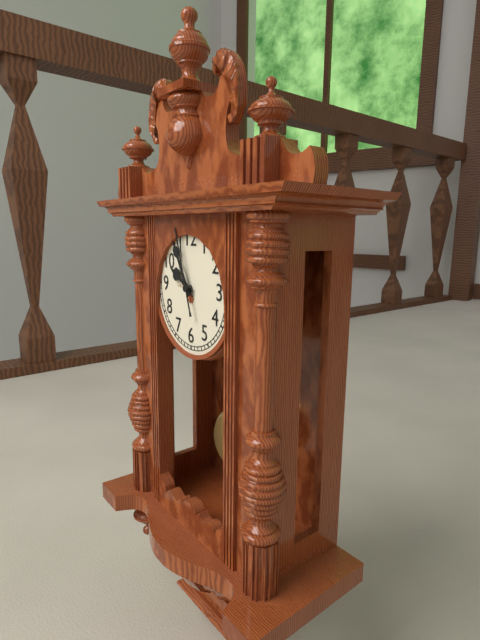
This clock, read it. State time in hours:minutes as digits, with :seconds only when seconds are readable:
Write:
9:55:57
